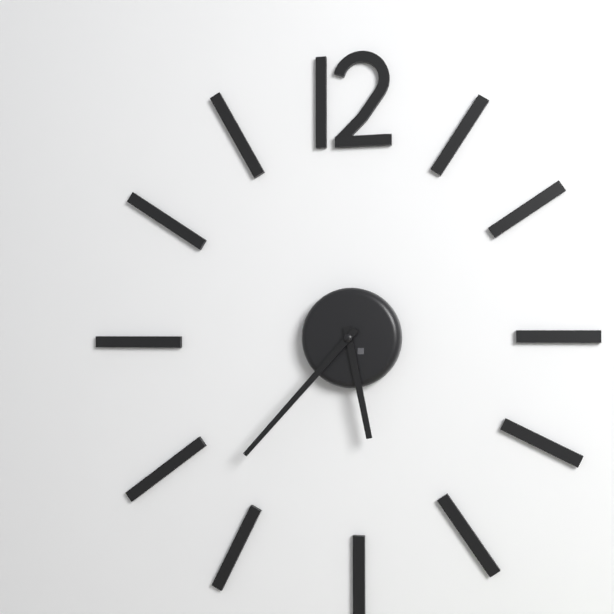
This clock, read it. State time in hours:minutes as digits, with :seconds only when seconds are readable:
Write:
5:37
